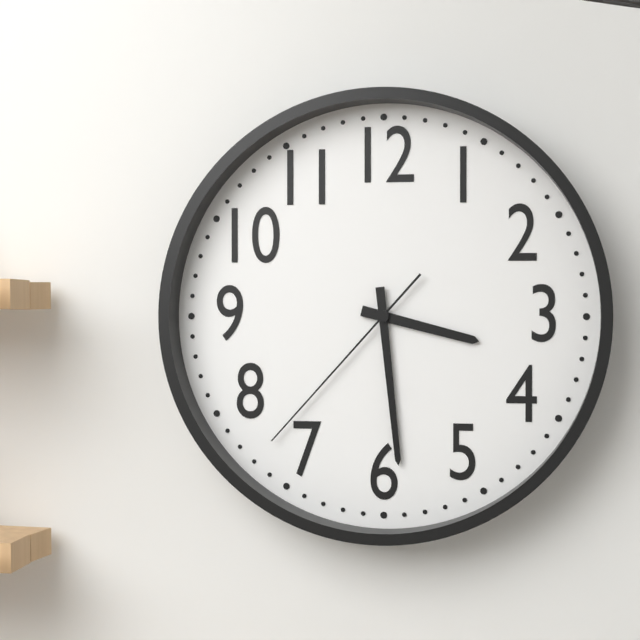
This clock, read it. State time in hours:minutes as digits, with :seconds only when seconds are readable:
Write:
3:29:37
